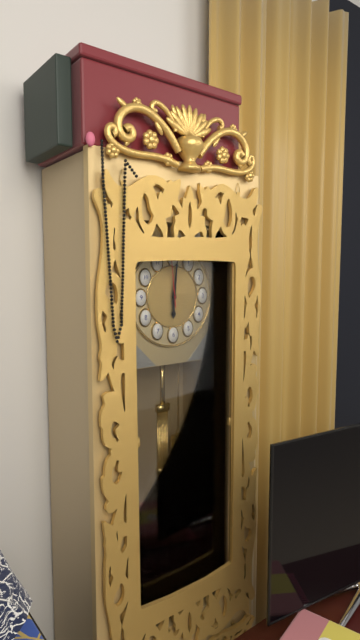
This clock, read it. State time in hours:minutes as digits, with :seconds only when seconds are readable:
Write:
6:01
